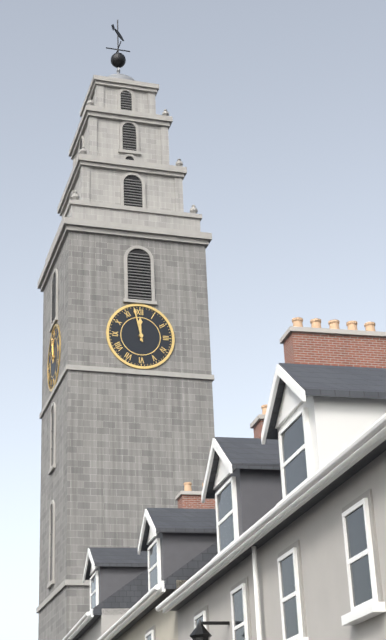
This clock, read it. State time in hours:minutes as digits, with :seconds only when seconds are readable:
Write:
11:58
